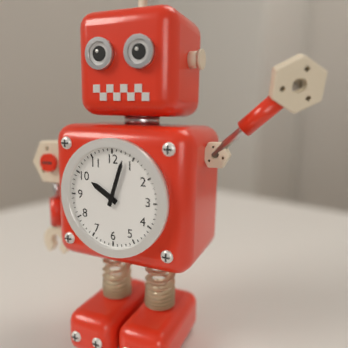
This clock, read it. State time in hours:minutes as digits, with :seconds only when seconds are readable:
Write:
10:03
